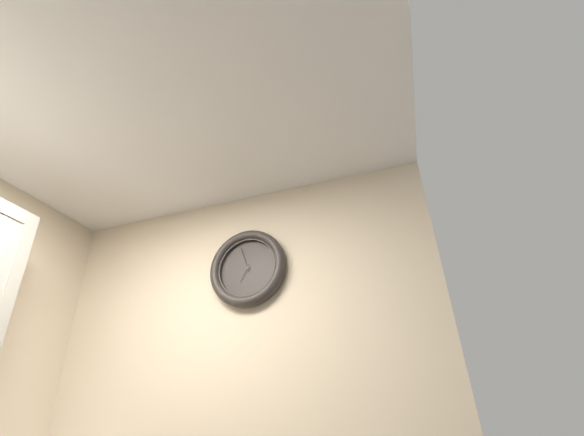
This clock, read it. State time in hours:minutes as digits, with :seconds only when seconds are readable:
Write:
6:57
